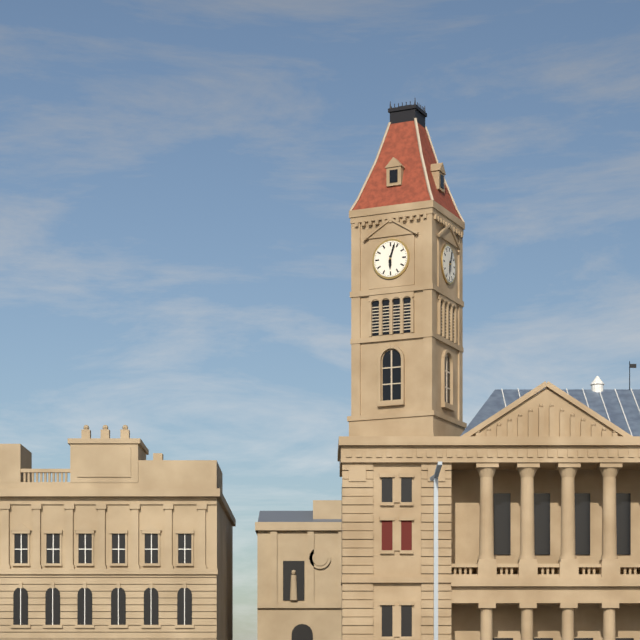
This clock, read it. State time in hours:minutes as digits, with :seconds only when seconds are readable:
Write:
6:03
